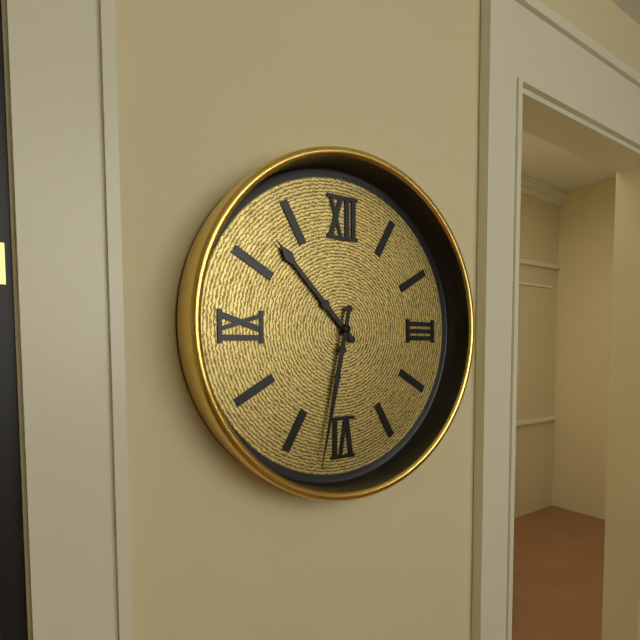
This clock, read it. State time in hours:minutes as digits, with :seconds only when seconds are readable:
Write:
10:32
